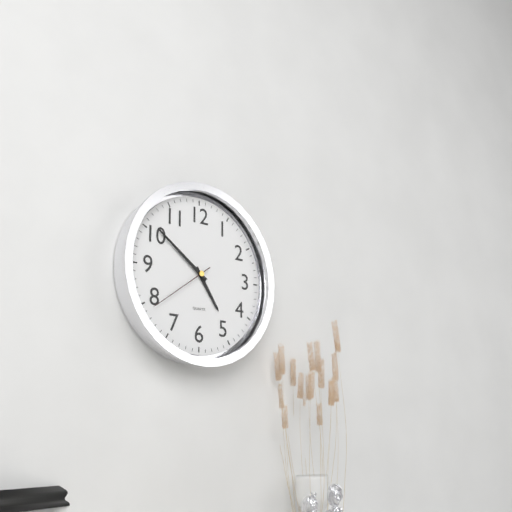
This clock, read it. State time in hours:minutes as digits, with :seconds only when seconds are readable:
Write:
4:51:39
